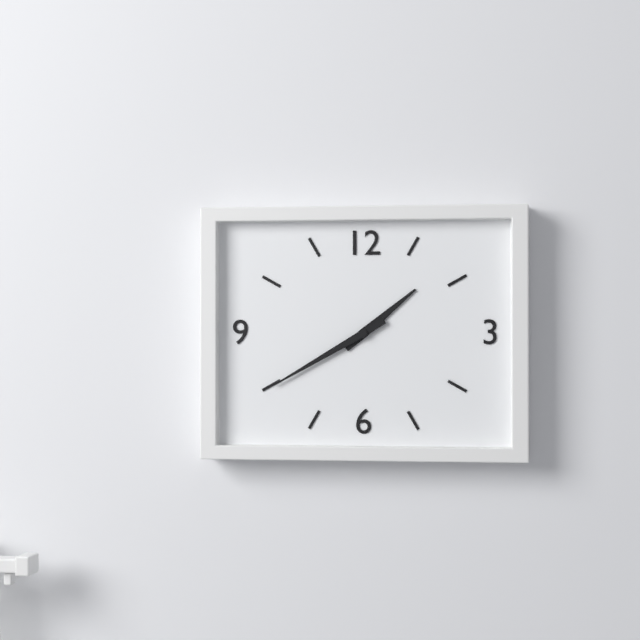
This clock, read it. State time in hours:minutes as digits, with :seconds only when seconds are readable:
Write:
1:40
